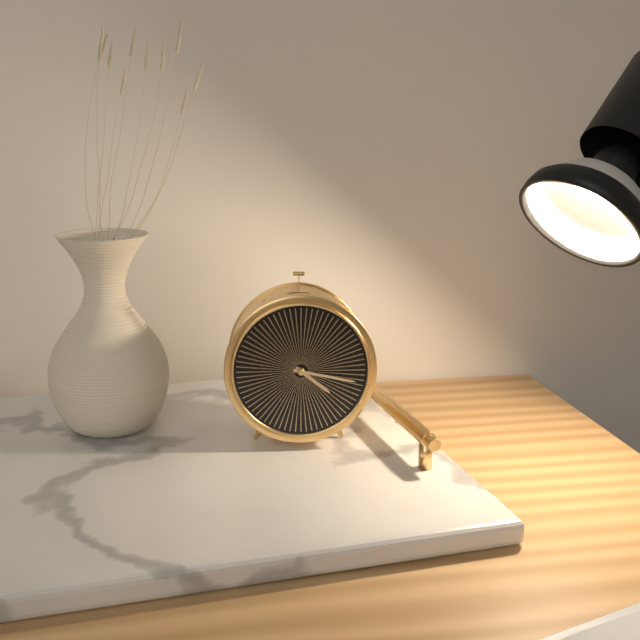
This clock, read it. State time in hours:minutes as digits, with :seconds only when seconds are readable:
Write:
4:17
